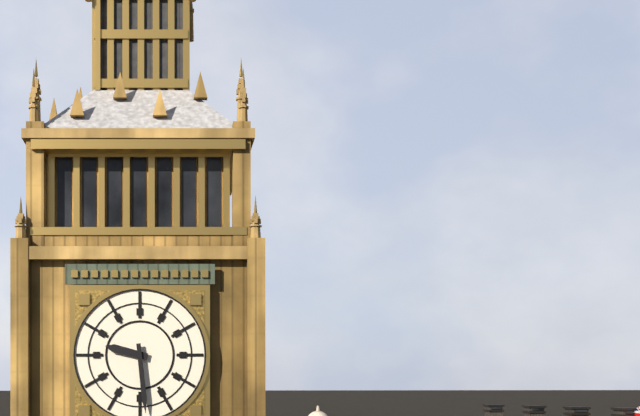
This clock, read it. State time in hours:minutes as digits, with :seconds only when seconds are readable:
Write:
9:29
